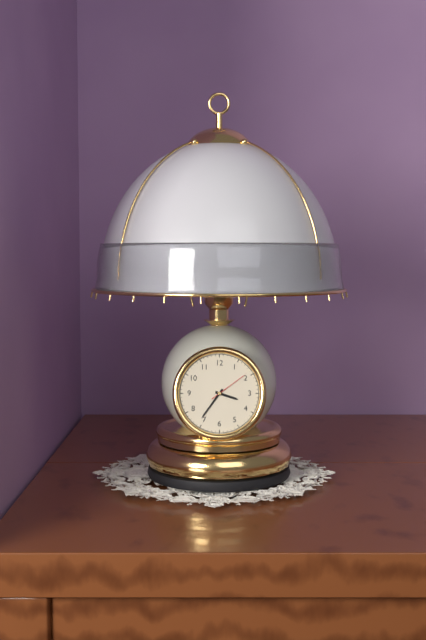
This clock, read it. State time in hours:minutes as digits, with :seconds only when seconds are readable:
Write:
3:36
